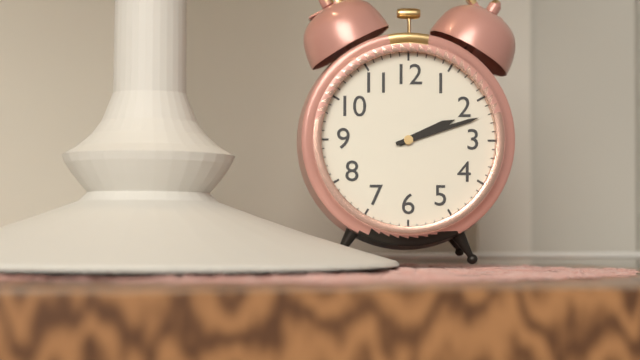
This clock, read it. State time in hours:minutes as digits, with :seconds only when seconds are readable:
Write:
2:12
